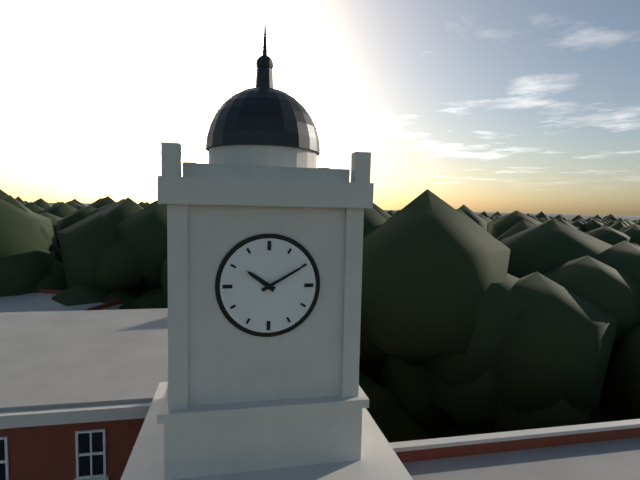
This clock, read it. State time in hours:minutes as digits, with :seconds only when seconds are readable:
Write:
10:10
